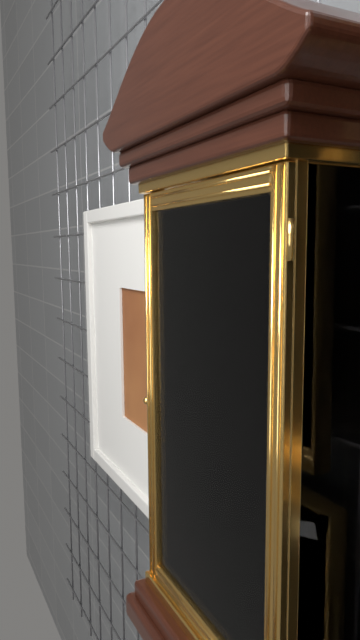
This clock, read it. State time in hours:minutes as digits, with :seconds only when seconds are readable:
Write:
7:09
